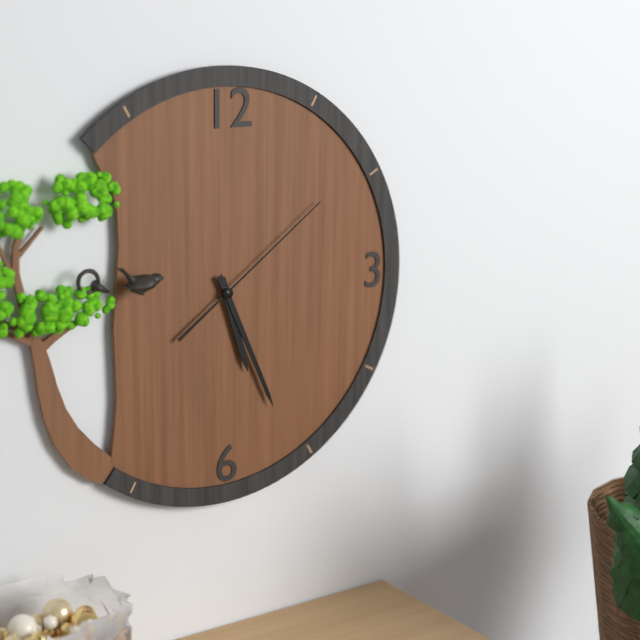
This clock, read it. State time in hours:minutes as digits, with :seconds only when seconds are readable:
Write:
5:26:09
